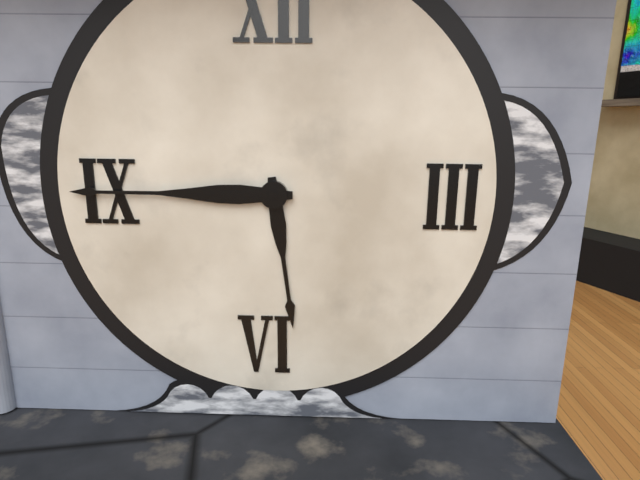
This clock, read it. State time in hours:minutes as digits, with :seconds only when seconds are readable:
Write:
5:45
